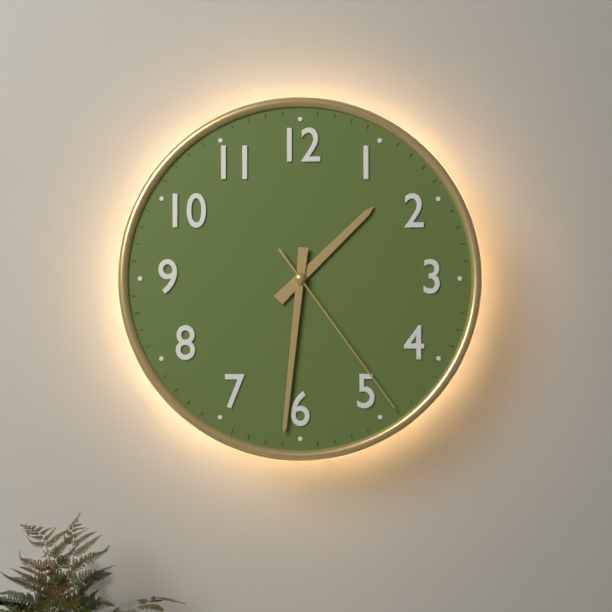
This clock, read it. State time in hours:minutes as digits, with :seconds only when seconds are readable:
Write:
1:31:24
